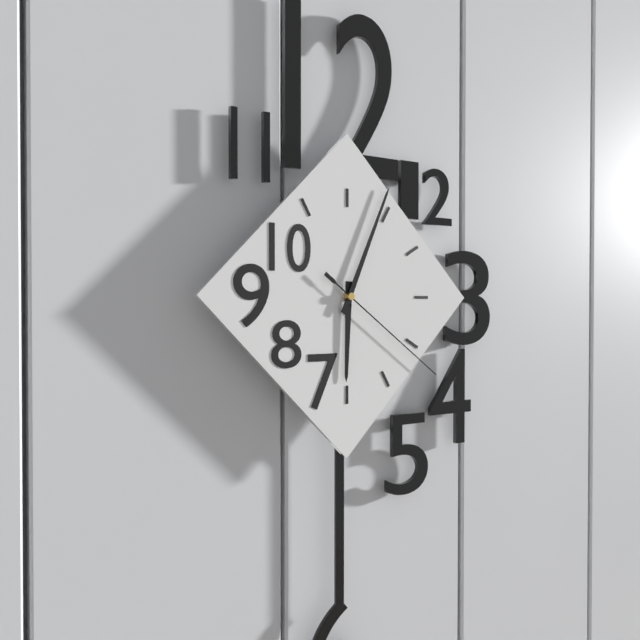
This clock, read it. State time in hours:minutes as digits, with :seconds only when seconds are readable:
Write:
6:04:21
